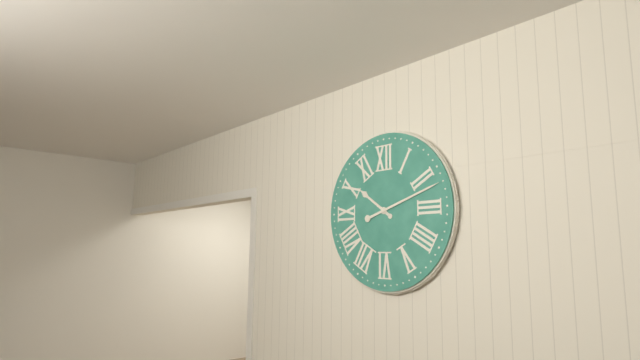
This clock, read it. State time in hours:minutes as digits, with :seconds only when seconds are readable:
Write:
10:12
